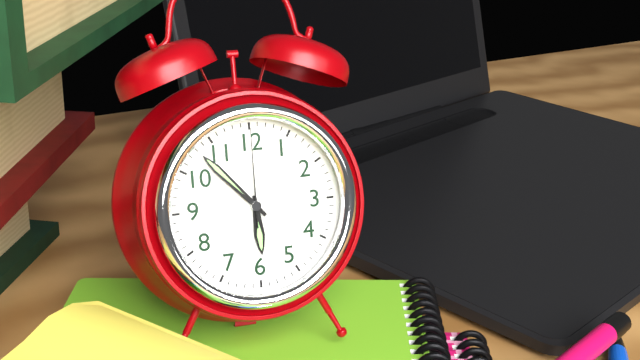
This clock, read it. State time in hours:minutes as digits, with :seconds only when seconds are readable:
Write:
5:53:00
